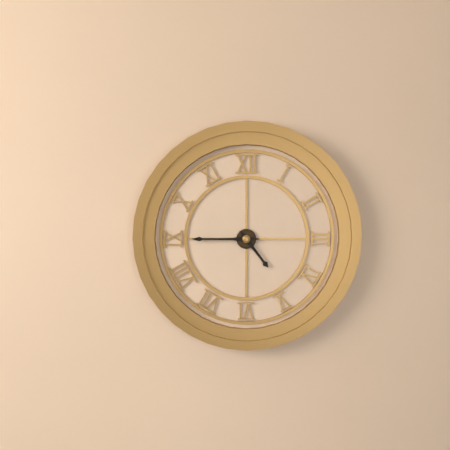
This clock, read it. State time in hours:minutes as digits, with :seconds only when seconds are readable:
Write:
4:45
